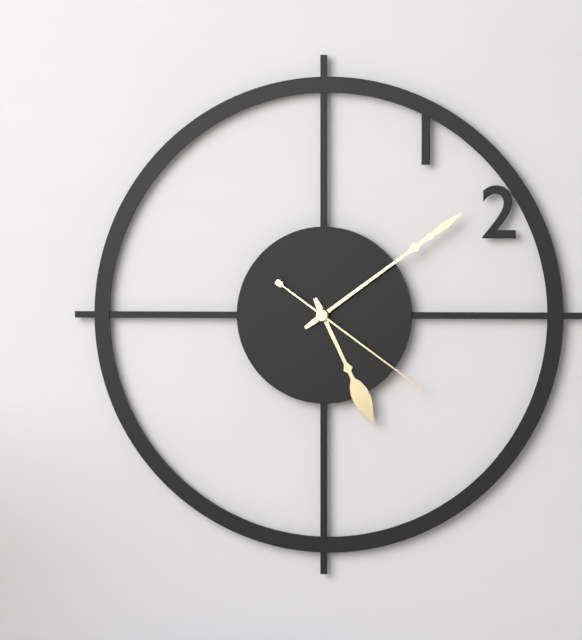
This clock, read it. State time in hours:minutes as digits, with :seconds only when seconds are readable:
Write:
5:09:21
